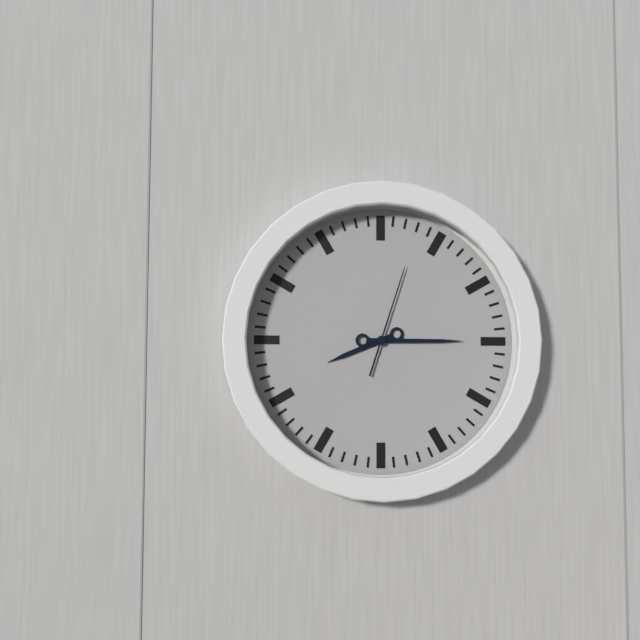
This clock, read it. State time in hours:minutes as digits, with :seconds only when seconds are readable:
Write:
8:15:03
